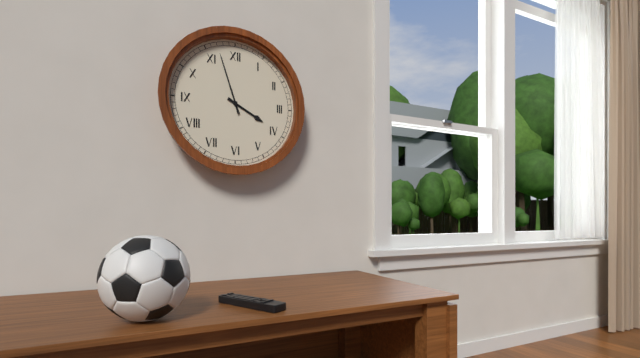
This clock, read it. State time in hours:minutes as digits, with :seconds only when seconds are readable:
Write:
3:57
